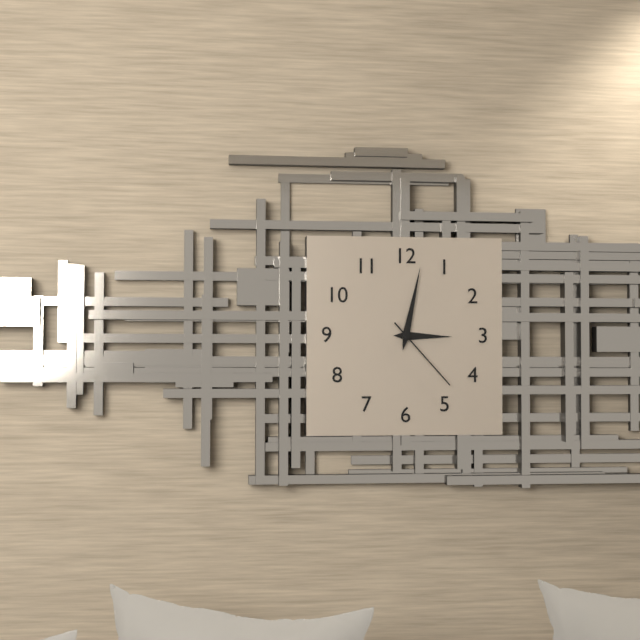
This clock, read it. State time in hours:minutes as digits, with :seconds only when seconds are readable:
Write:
3:02:23
